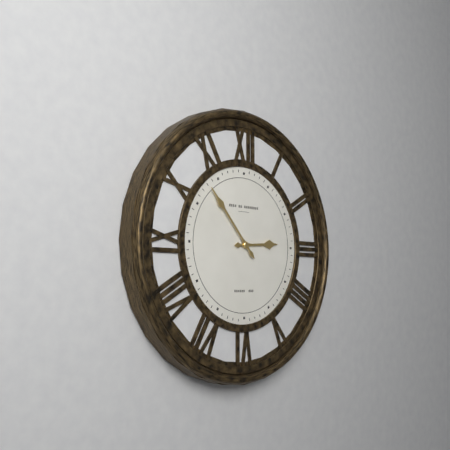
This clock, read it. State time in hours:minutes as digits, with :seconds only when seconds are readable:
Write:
2:53
